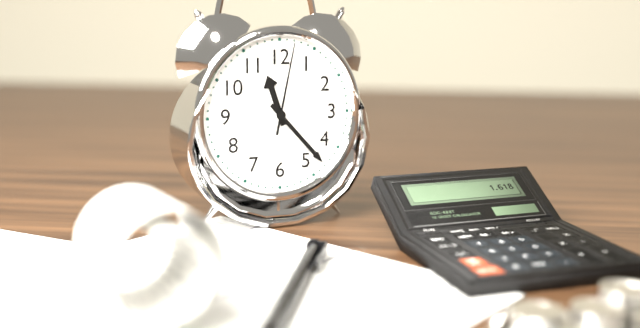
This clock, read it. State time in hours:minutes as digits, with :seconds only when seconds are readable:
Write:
11:23:02
